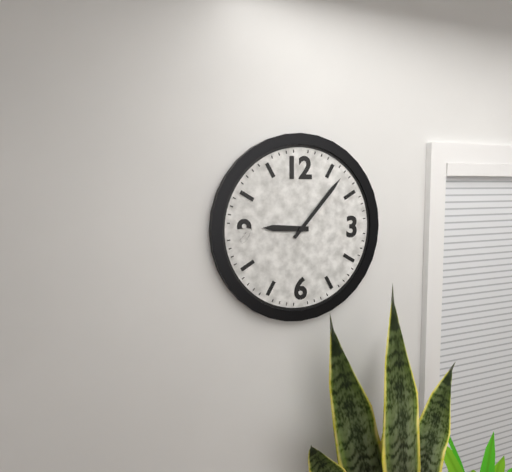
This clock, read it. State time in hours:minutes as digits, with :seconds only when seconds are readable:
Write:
9:07
